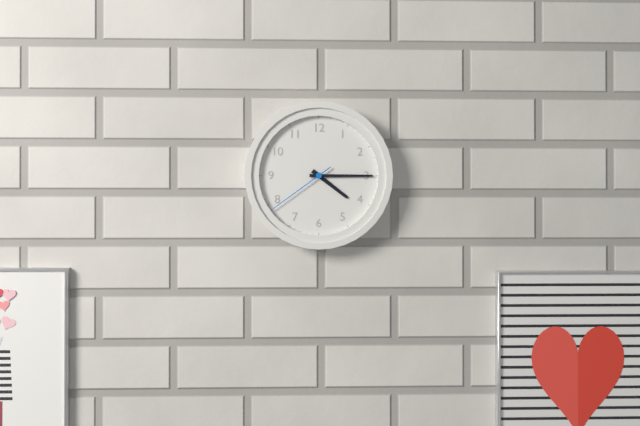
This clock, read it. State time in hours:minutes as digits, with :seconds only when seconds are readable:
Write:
4:15:39
